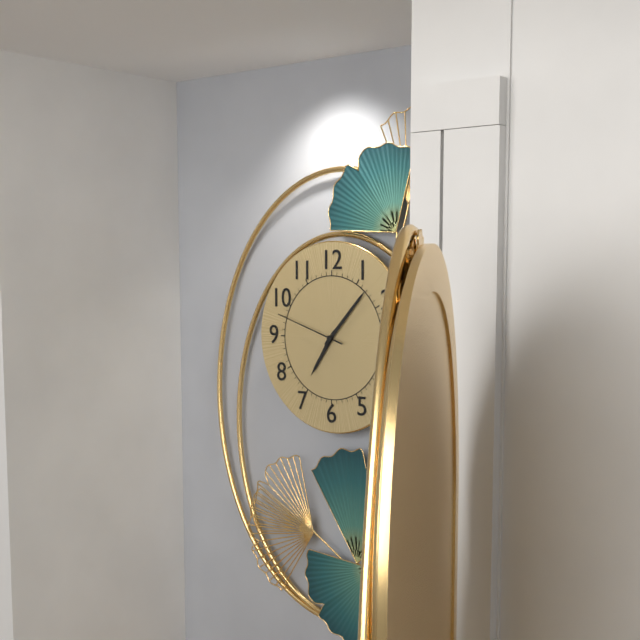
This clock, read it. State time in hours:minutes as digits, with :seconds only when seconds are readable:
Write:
7:07:48
